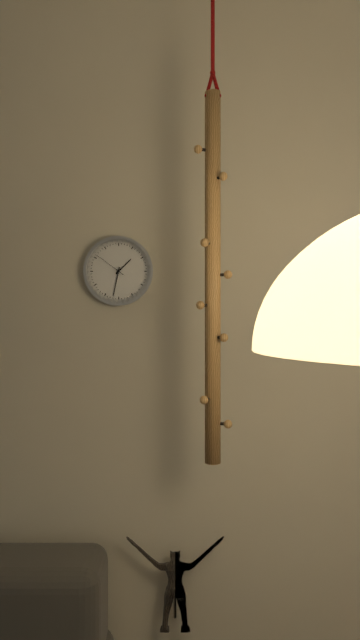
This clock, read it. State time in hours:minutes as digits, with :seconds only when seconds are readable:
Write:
1:32
